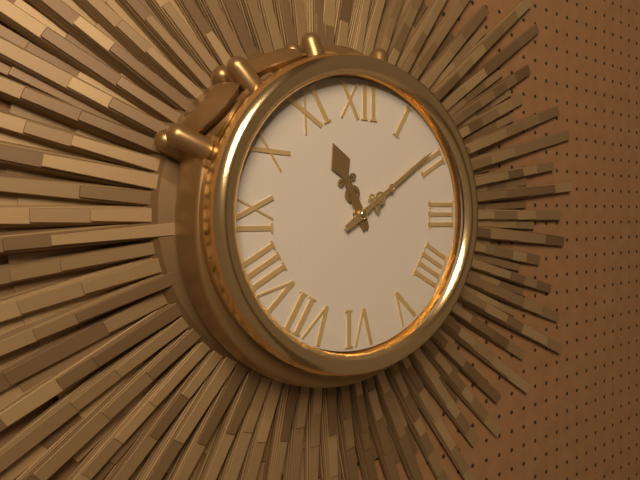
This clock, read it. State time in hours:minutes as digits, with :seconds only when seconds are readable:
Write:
11:09
